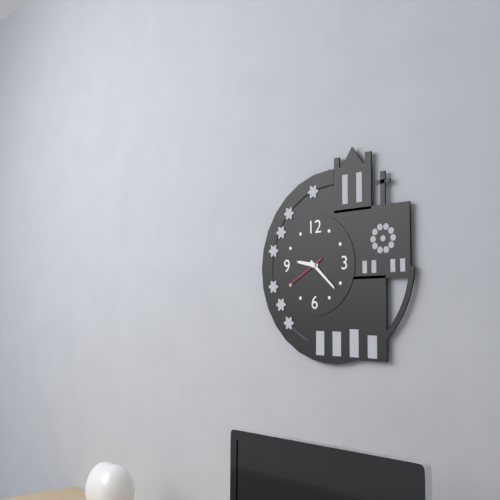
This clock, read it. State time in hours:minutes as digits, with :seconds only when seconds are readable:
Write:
9:22
